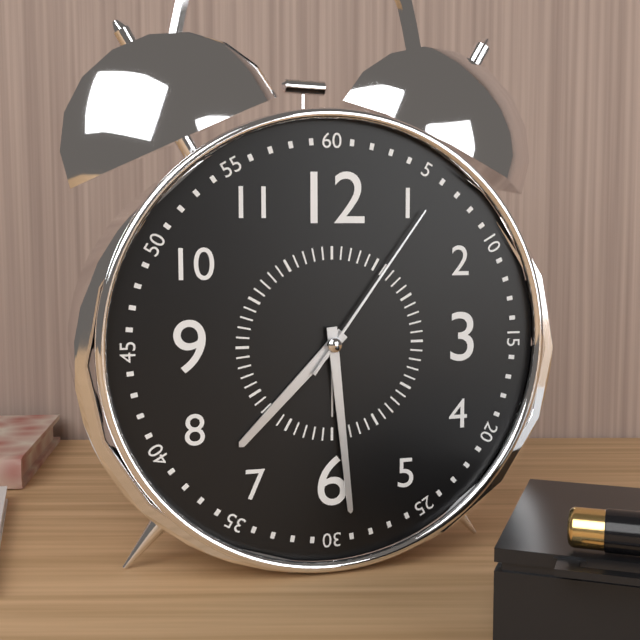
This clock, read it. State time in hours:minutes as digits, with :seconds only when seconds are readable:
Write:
7:29:06
